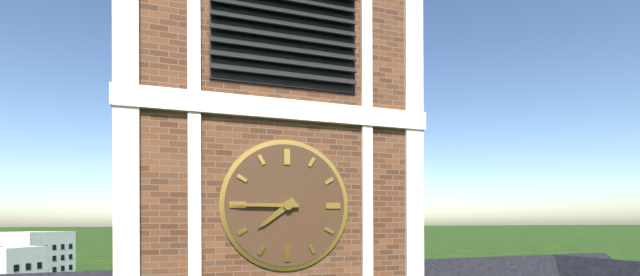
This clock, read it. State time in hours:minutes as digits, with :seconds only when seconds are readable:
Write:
7:45
